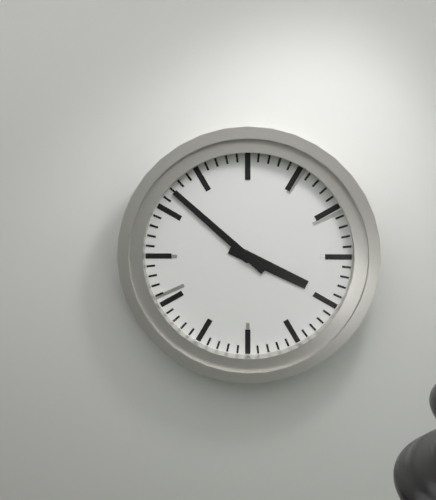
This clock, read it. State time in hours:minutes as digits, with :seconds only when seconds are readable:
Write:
3:52
